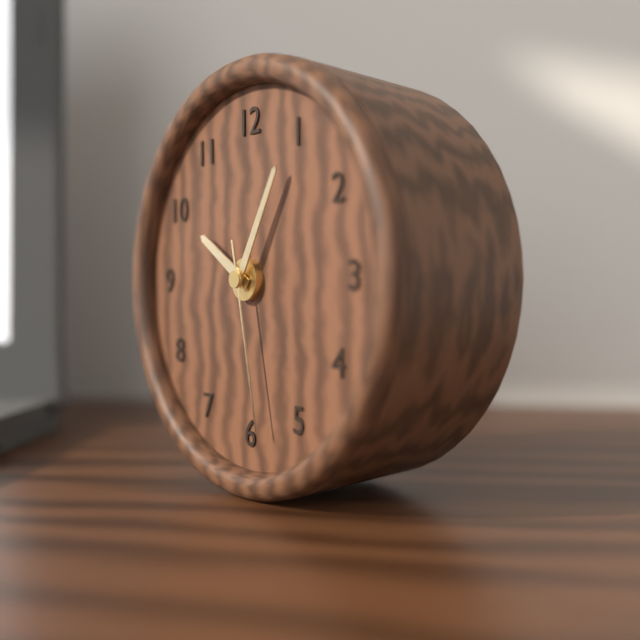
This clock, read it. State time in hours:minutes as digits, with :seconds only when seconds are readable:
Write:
10:05:28
